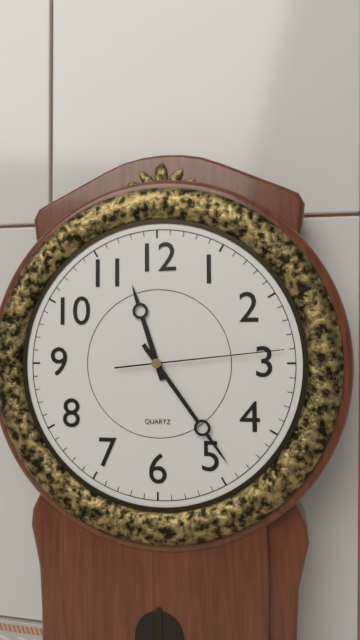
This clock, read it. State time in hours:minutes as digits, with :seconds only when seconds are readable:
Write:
11:24:14
